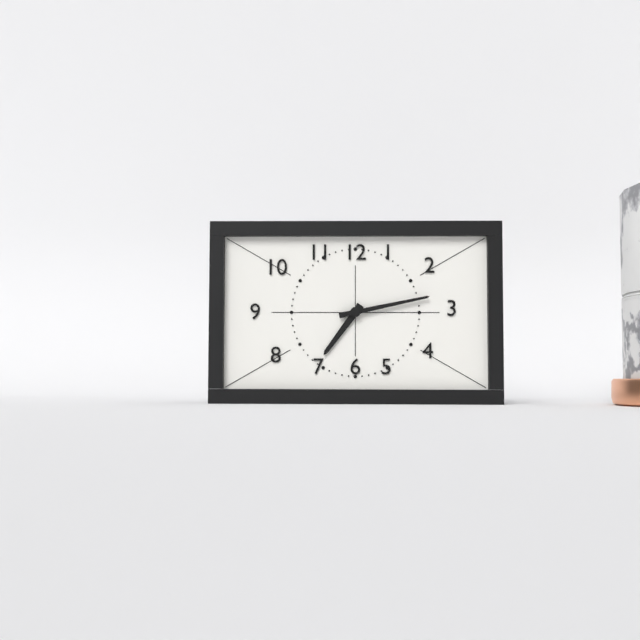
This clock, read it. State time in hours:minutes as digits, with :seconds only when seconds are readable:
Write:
7:13
